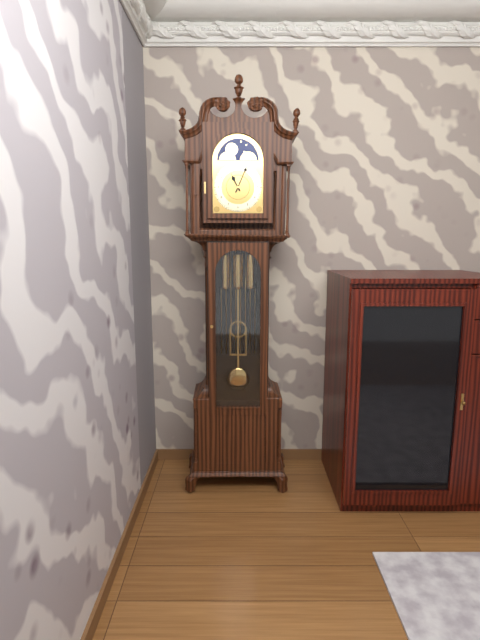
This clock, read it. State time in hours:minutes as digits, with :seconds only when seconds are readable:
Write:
11:04
